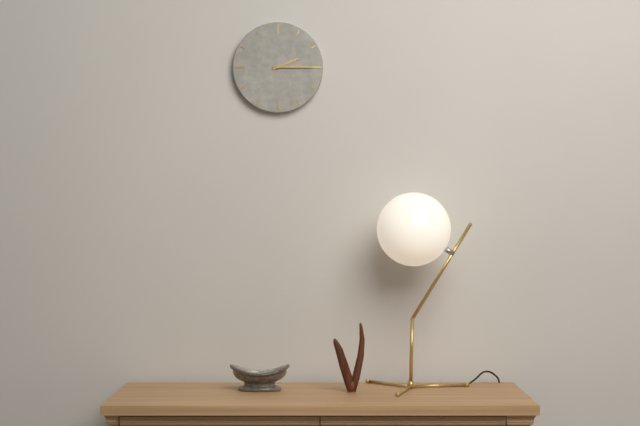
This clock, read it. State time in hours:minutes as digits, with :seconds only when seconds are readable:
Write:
2:15
